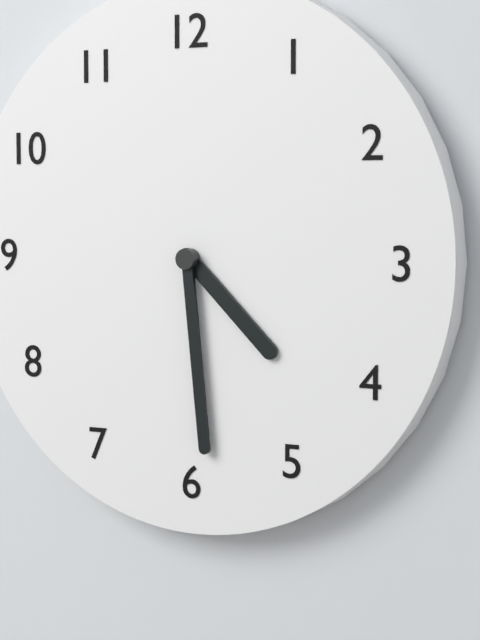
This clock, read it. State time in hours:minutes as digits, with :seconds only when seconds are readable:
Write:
4:29
